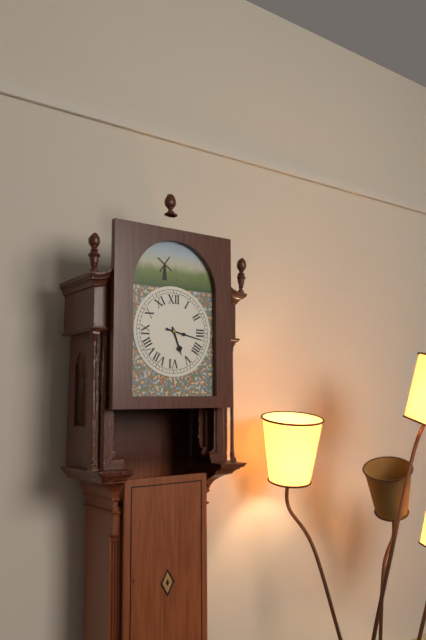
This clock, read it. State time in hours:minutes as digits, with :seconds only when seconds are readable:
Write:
5:17
